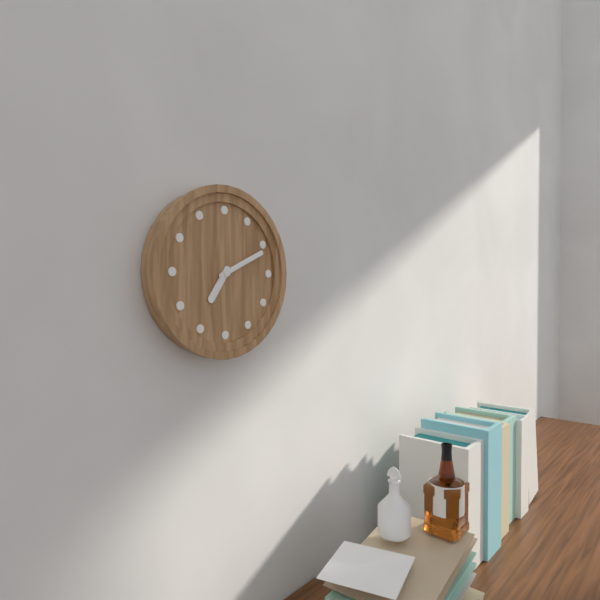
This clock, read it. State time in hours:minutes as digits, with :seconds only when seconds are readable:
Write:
7:11
